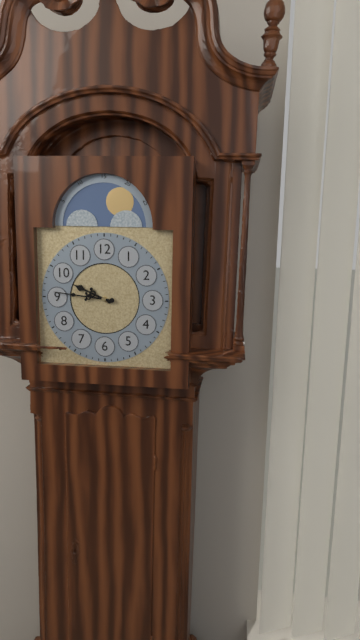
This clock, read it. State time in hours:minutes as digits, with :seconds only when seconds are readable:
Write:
9:46
